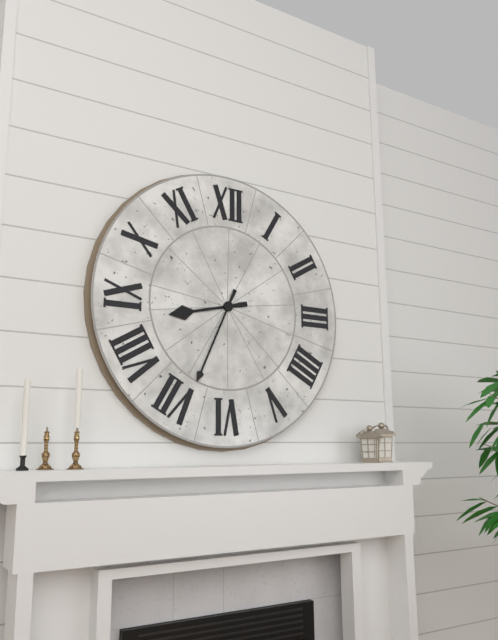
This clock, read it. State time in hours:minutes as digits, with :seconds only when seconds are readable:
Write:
8:34
